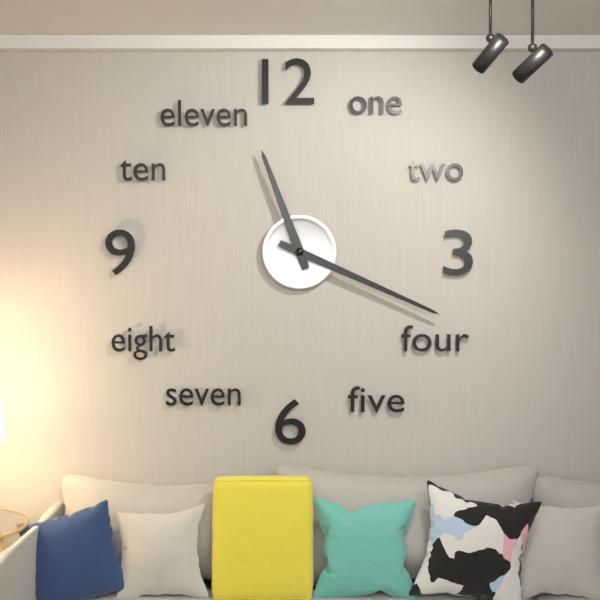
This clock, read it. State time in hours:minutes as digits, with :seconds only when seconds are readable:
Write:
11:19
